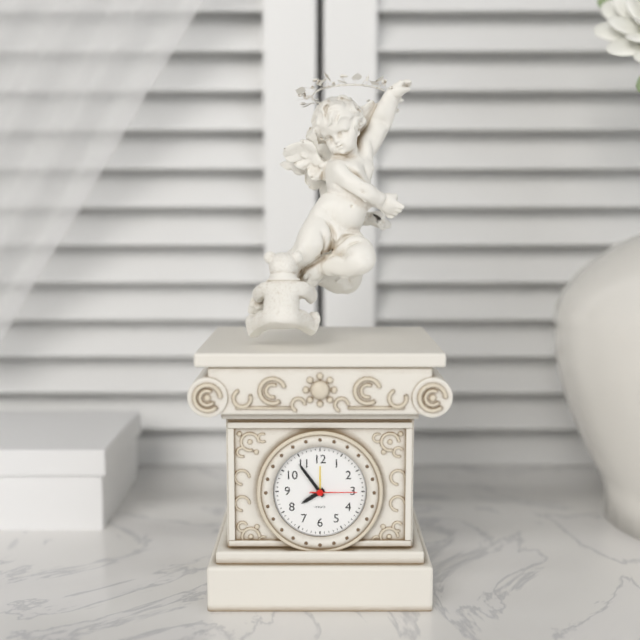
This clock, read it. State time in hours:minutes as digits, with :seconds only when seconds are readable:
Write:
7:54
